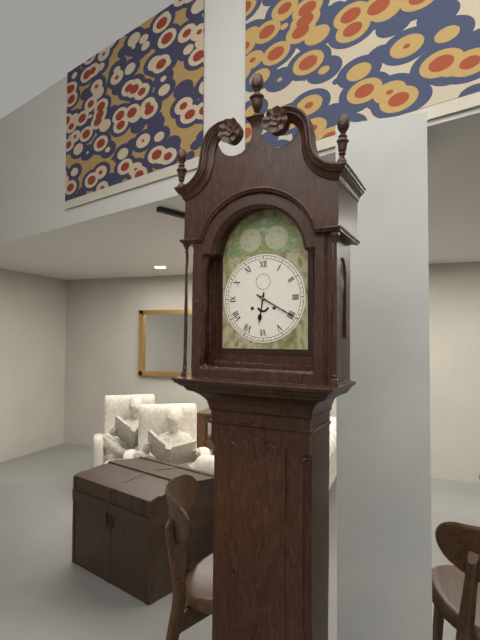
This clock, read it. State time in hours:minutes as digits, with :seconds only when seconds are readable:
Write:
6:20
